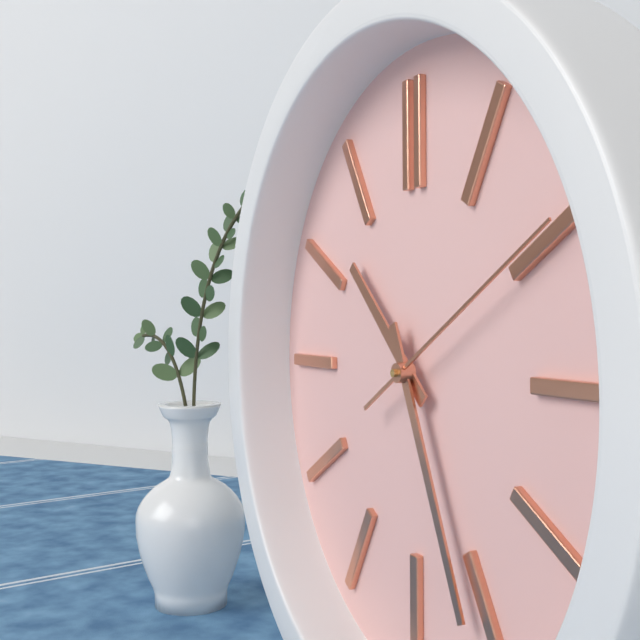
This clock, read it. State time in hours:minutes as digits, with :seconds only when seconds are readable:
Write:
10:26:10
